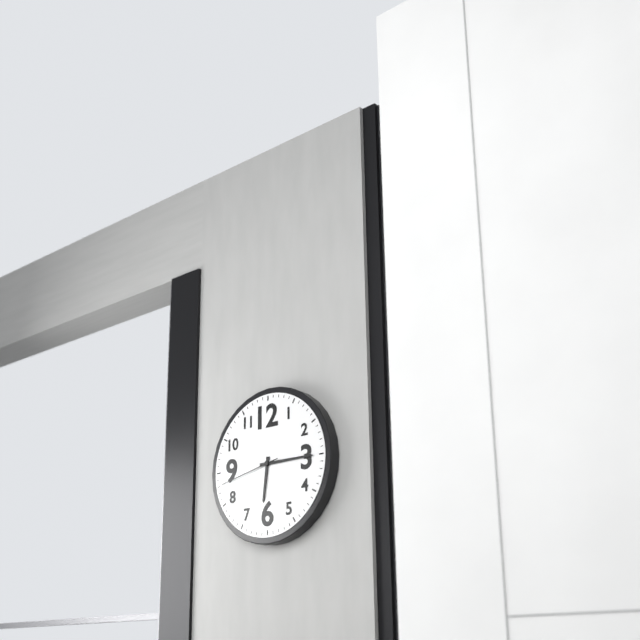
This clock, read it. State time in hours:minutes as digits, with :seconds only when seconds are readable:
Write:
6:15:43
